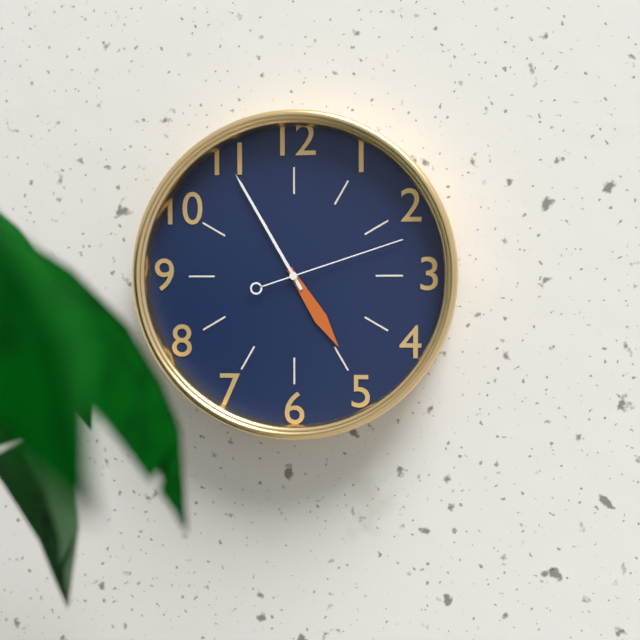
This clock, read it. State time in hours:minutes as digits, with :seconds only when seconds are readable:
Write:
4:55:12
